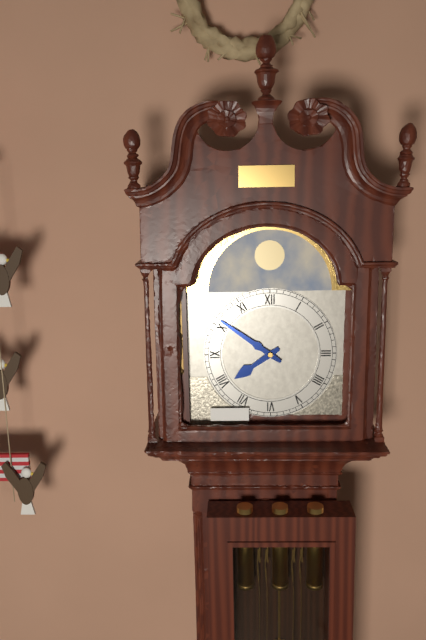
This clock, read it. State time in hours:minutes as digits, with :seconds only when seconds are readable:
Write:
7:51
